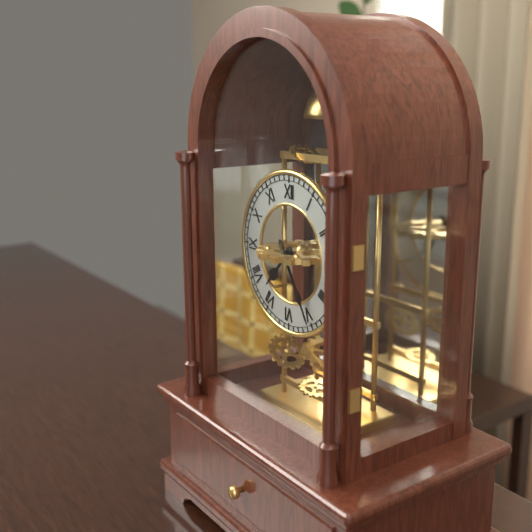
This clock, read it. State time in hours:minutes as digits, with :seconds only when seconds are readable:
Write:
7:25
